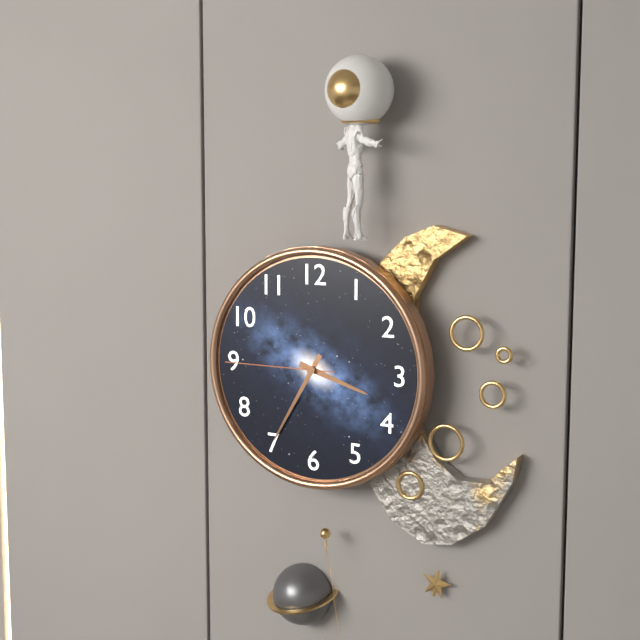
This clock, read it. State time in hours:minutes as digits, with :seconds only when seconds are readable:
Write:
3:35:45
